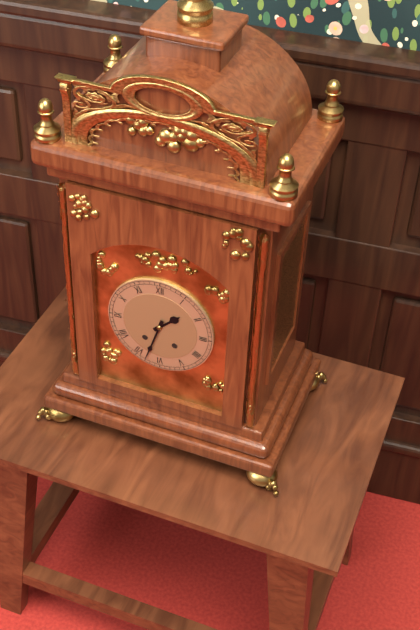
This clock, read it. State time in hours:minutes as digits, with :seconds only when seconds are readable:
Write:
1:33
